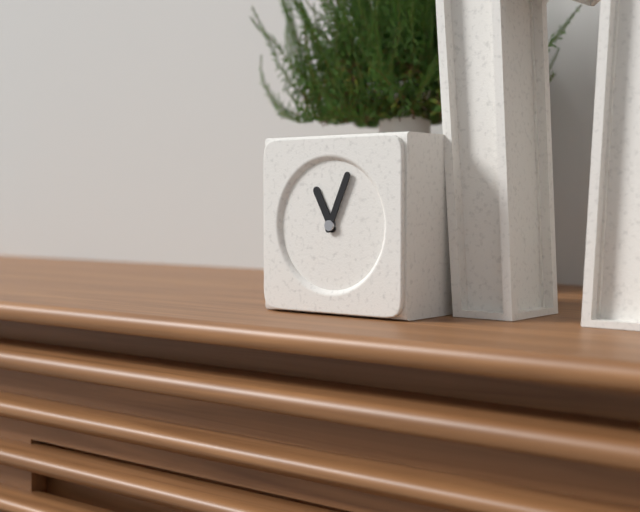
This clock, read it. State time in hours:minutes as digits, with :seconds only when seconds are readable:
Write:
11:04
